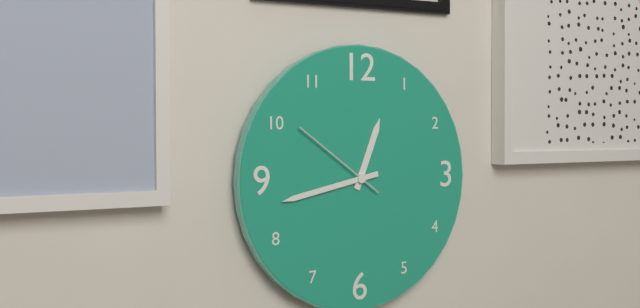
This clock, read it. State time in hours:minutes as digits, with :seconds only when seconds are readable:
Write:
12:43:51
